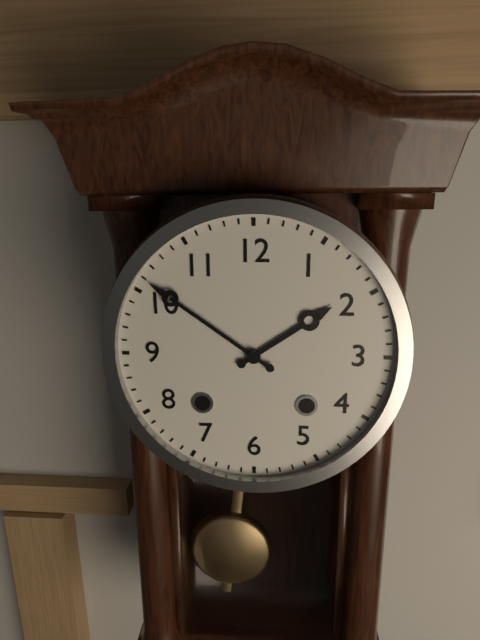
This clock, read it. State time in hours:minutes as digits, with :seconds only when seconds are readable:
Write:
1:51
